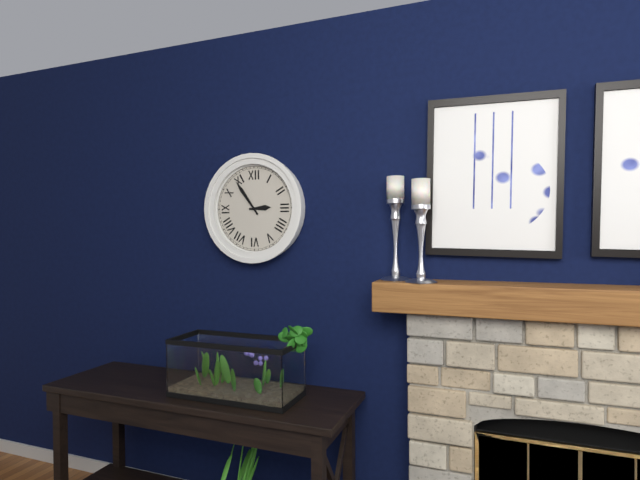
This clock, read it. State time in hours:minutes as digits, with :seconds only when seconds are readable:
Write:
2:54
